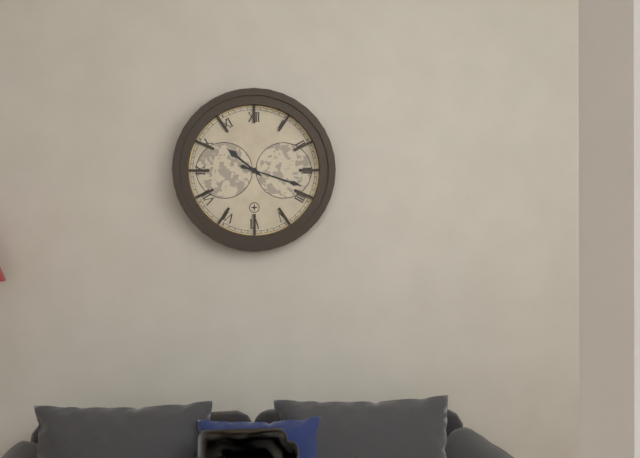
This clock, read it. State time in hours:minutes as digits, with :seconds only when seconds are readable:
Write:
10:18
